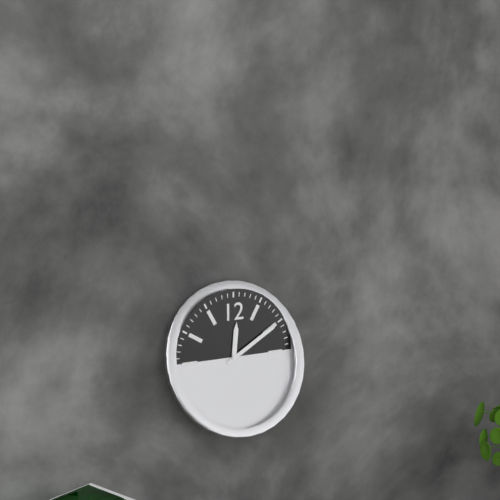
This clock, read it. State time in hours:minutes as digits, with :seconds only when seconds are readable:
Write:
12:10
